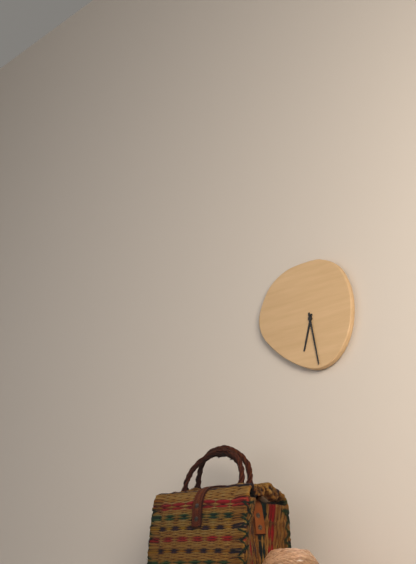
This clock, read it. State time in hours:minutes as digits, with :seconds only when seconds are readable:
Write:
6:28
